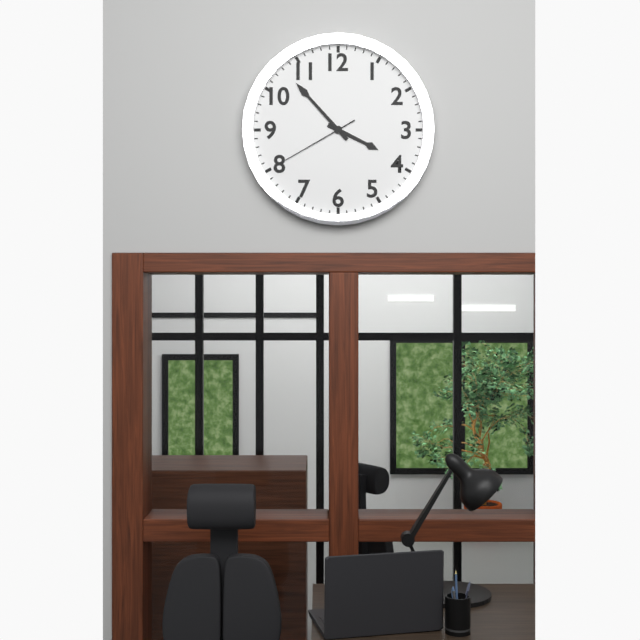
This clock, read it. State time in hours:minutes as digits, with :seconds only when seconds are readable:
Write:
3:53:40
